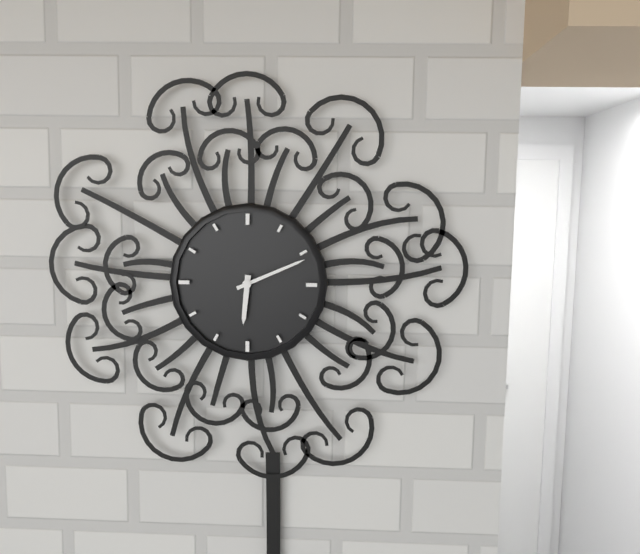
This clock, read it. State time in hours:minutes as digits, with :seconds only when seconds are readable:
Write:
6:11
